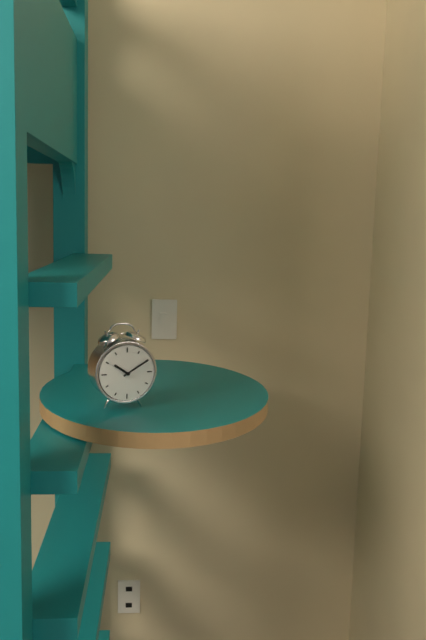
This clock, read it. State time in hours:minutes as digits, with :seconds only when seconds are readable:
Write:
10:10
